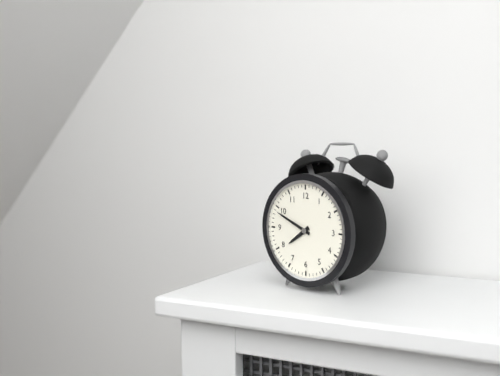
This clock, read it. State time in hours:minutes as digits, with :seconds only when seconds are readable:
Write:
7:49
